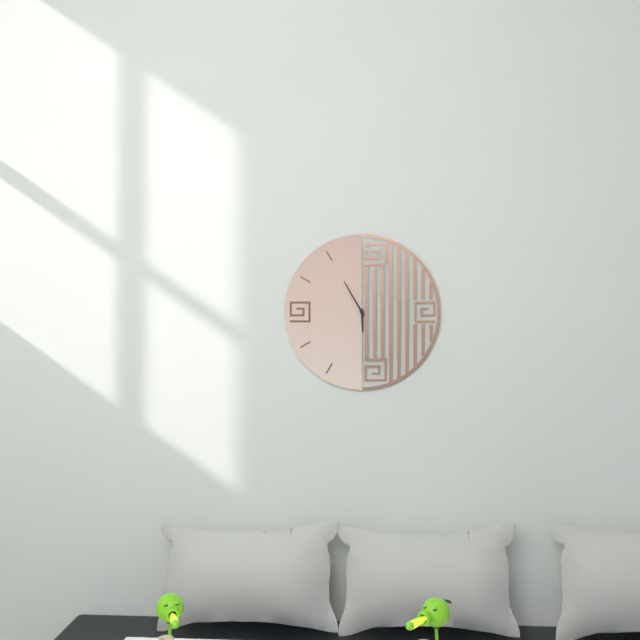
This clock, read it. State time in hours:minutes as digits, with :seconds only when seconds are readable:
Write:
5:55
